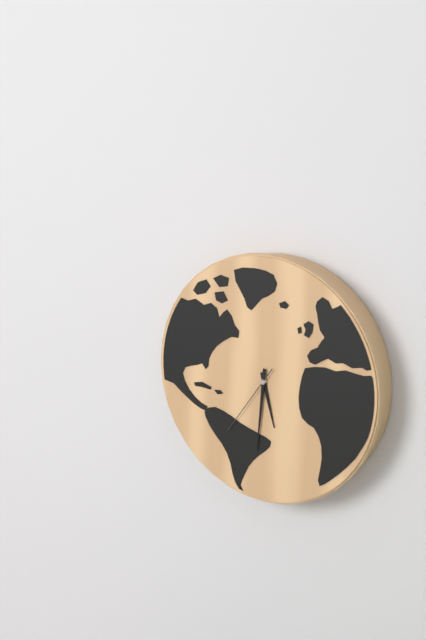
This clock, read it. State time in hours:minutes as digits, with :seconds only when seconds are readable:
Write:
5:31:36
